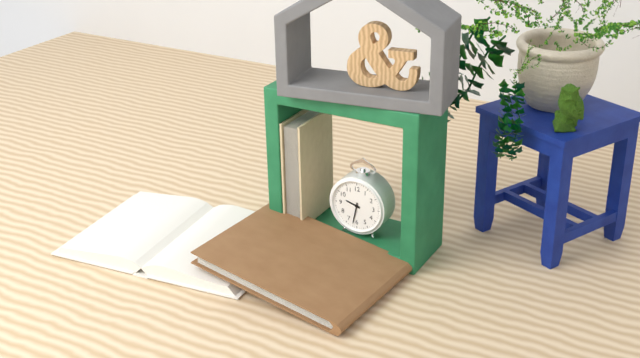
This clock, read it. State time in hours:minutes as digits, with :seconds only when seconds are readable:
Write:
9:32
